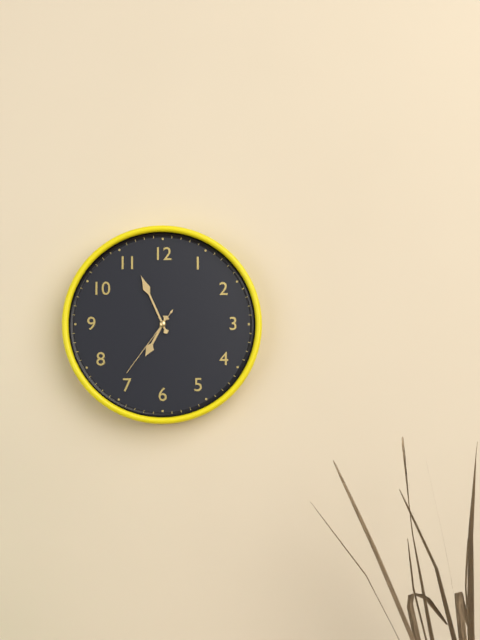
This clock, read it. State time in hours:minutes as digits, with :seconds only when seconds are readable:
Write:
6:56:36
